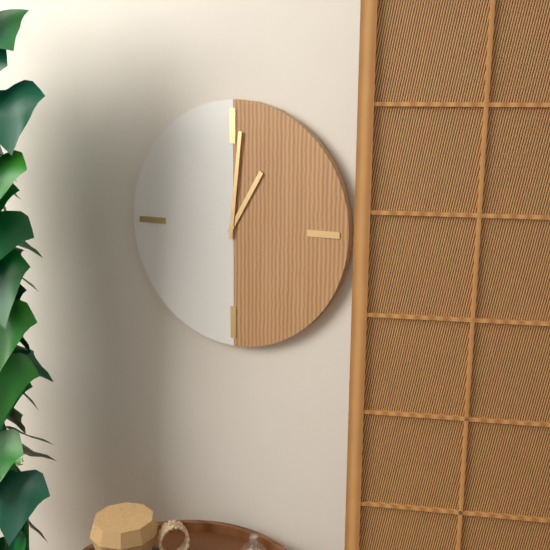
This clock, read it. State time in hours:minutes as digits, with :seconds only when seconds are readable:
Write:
1:01
